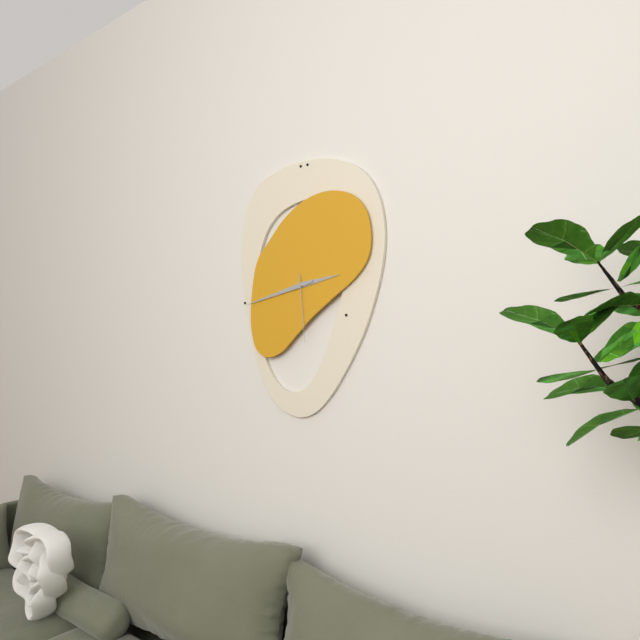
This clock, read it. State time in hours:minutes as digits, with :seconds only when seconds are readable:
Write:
2:43:29
